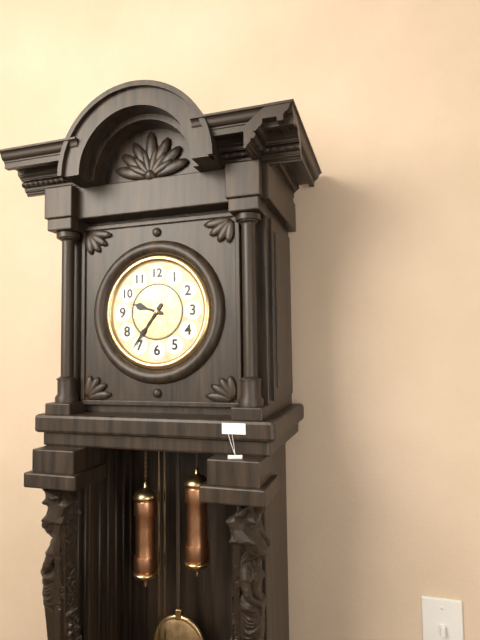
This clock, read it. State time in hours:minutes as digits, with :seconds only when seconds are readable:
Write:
9:36
